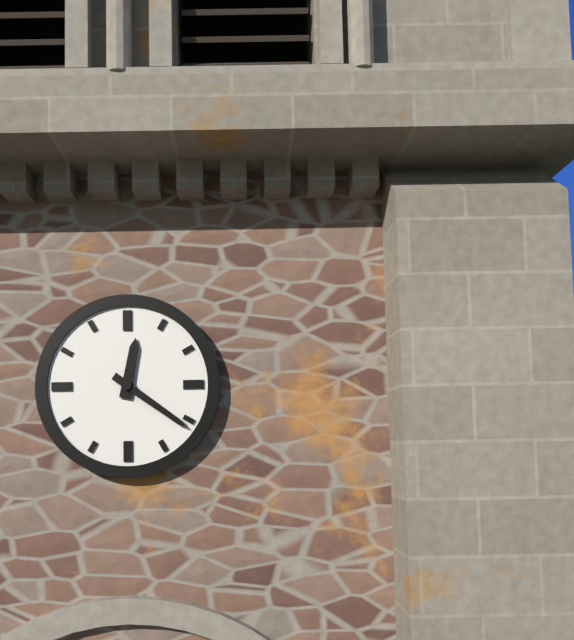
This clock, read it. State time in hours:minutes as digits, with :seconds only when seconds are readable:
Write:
12:21
